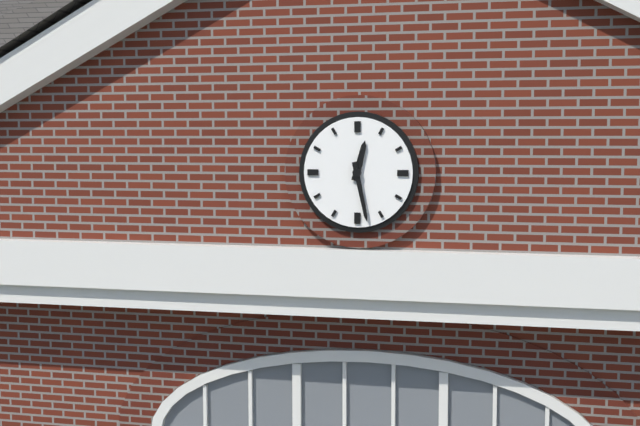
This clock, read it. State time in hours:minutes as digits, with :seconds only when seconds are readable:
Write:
12:28
